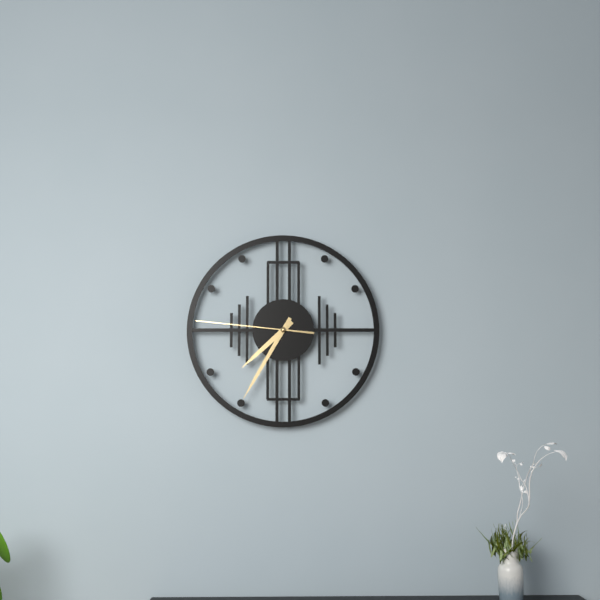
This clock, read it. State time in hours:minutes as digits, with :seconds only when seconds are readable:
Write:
7:35:46
